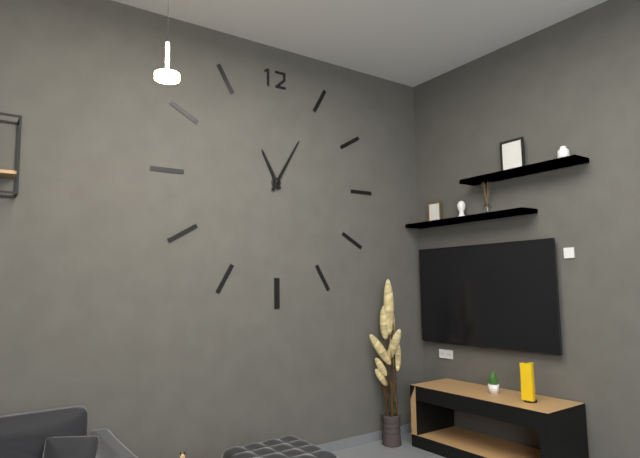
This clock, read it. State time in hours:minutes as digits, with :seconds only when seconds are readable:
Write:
11:05
